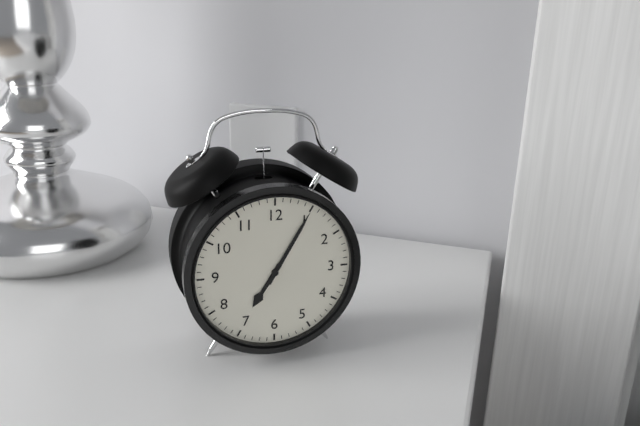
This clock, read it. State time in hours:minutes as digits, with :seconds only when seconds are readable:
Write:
7:05
